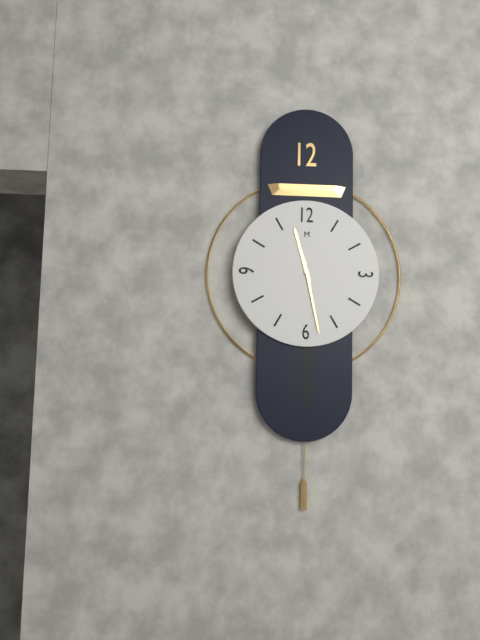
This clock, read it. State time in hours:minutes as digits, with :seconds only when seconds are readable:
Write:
11:28
